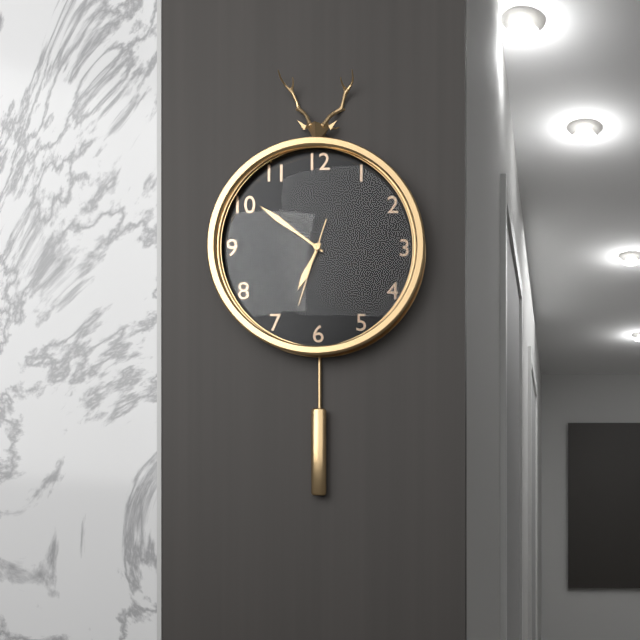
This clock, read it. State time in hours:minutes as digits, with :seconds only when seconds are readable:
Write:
6:51:33
